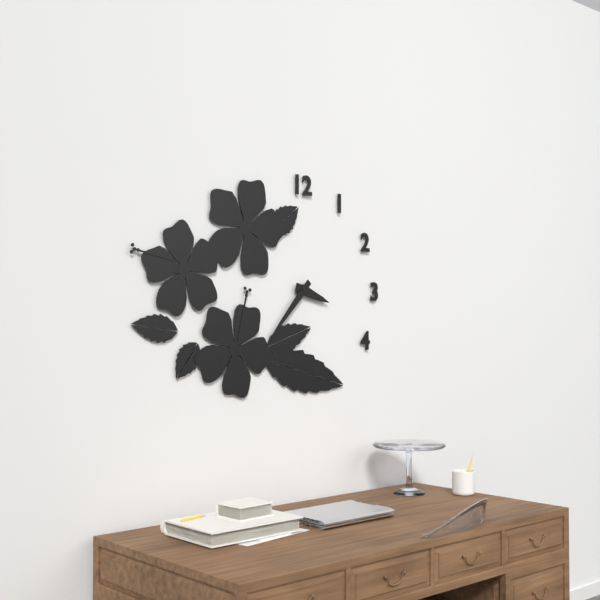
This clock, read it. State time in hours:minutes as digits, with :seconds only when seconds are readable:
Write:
3:37
